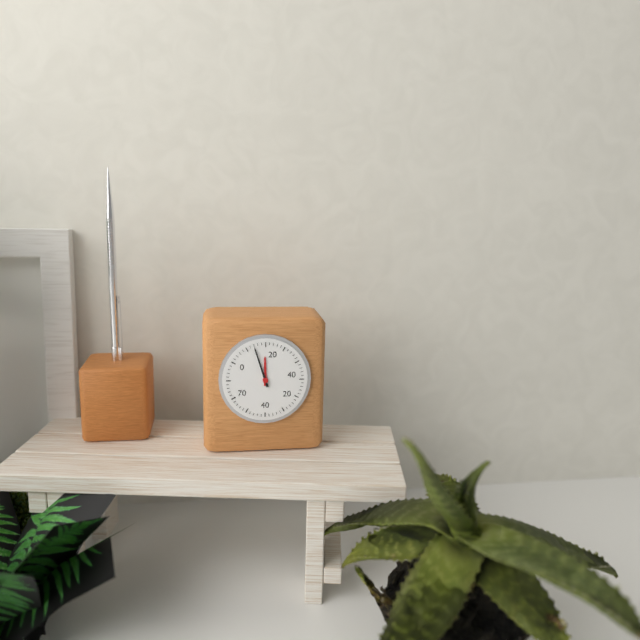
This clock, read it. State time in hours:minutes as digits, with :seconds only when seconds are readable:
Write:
11:57
